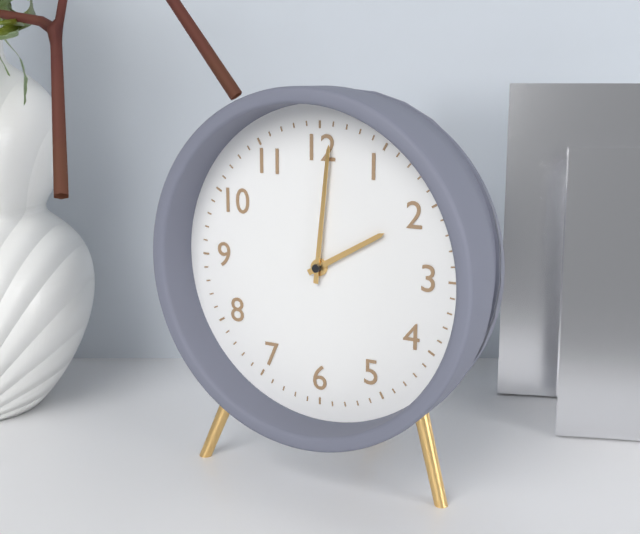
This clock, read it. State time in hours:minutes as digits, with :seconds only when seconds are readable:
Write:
2:01
